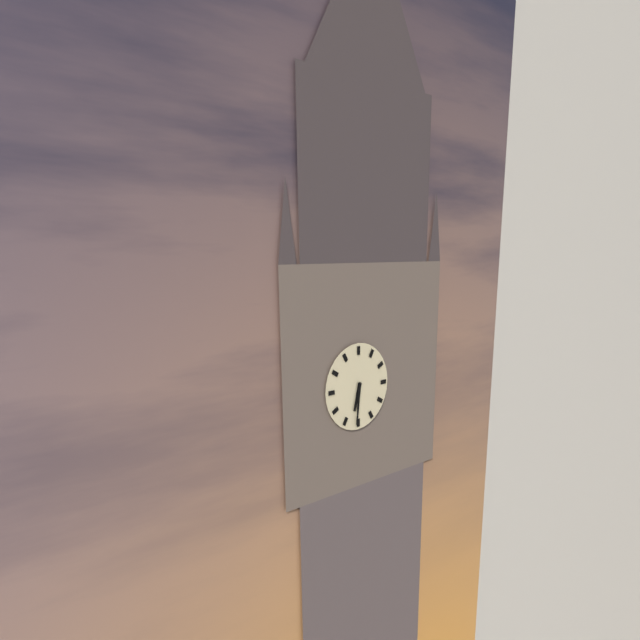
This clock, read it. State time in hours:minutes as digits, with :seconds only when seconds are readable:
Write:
6:31
